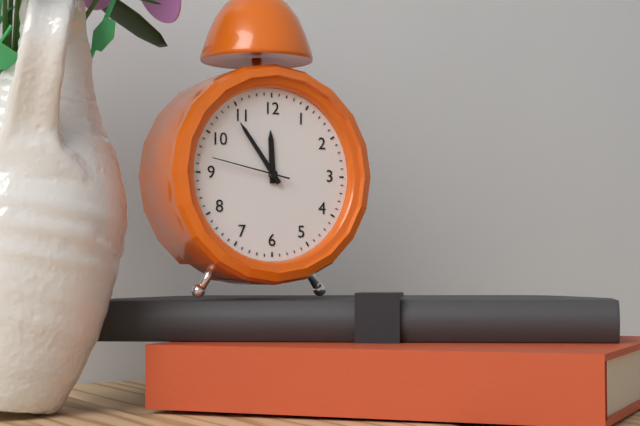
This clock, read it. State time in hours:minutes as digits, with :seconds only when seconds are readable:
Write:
11:54:47
